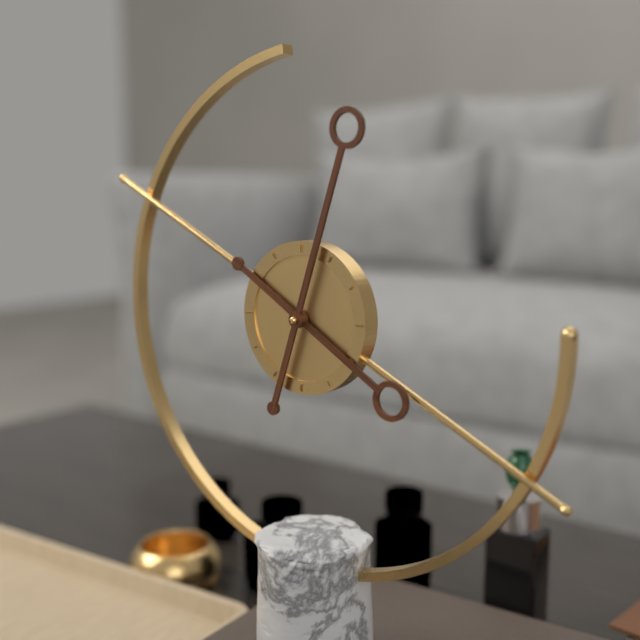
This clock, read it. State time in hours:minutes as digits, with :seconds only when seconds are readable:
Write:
4:03
